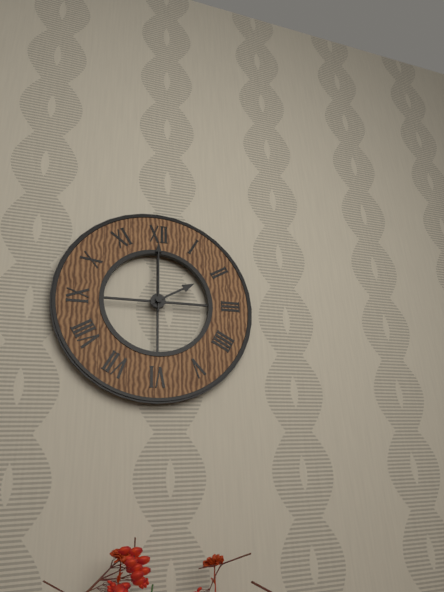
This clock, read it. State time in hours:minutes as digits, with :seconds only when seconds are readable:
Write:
2:00
